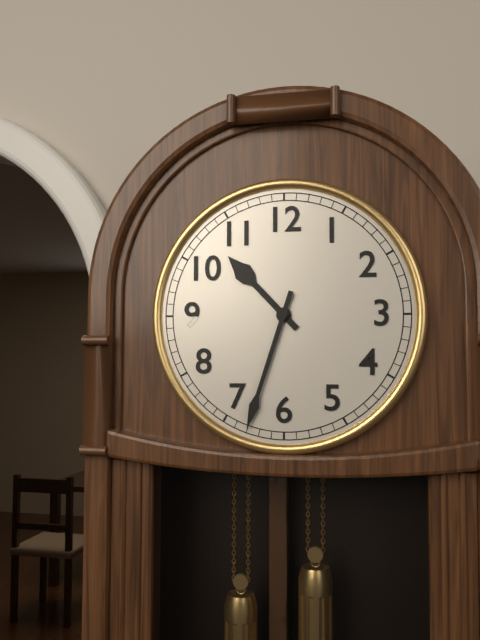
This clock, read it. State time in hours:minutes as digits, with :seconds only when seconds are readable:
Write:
10:33
